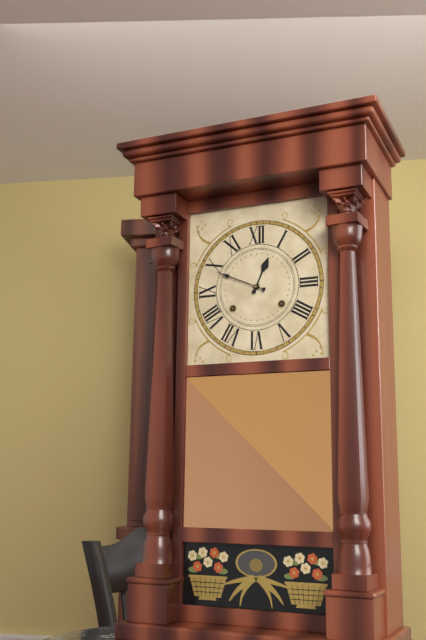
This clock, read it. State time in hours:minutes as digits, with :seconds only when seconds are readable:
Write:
12:49
